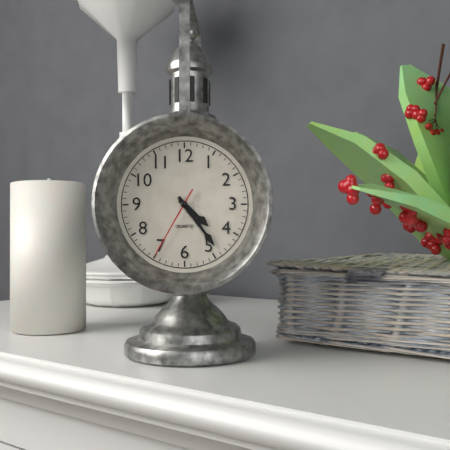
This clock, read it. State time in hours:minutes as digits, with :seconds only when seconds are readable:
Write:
4:24:35
